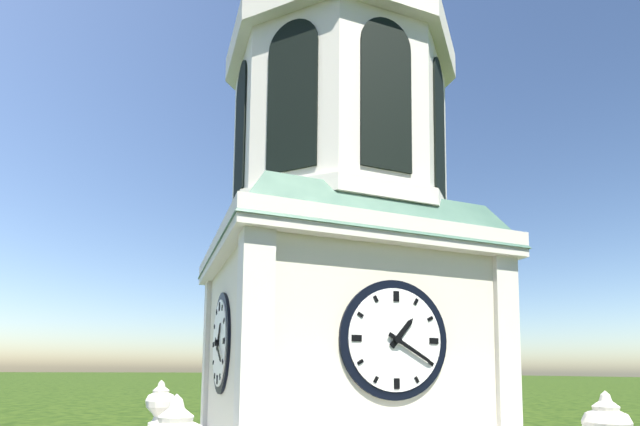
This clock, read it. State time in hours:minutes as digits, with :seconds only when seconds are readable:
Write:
1:20
